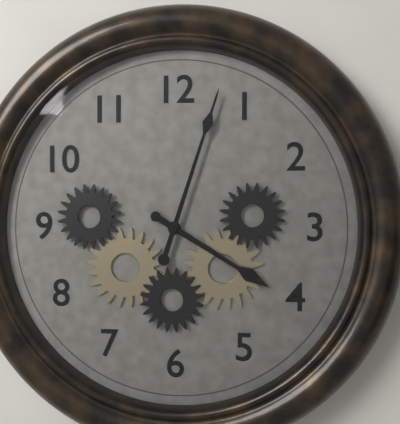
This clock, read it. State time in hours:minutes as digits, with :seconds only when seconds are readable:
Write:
4:03
